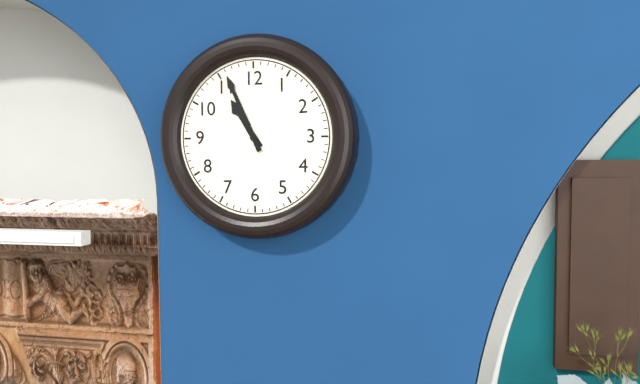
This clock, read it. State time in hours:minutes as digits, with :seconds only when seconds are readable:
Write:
10:56
